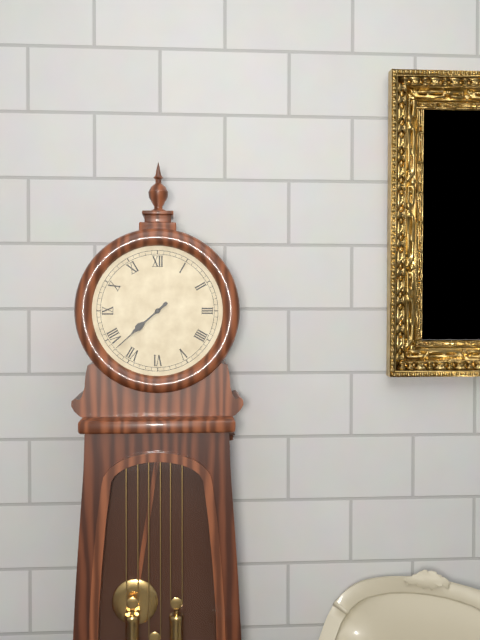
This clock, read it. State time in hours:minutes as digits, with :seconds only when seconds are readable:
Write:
7:38
